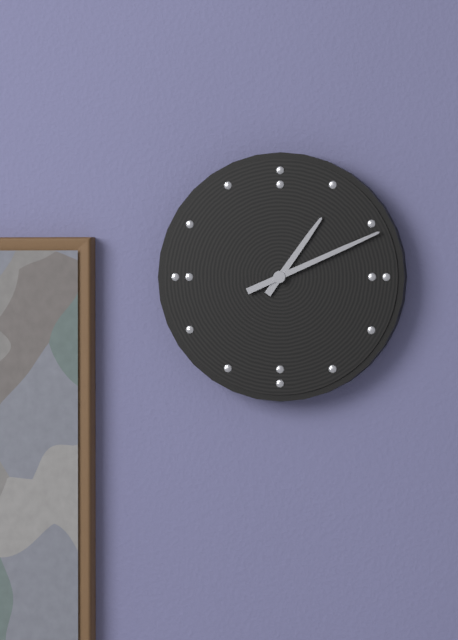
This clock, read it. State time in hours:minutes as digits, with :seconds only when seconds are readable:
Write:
1:11
